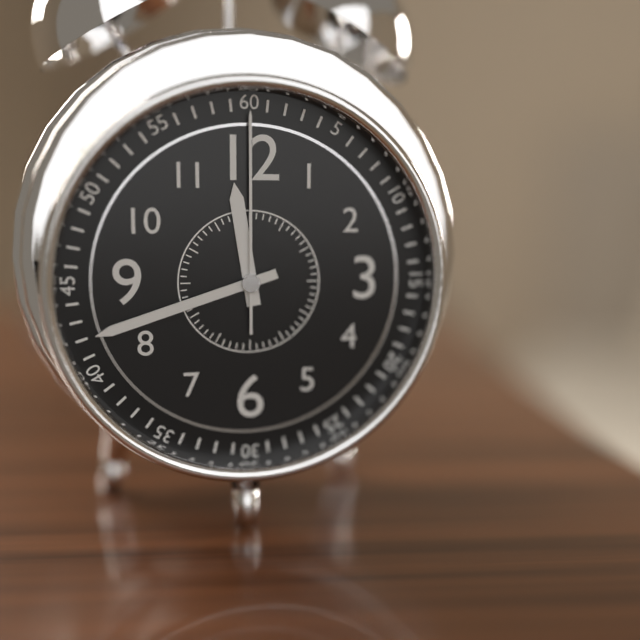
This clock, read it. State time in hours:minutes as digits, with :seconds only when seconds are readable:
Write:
11:42:00
